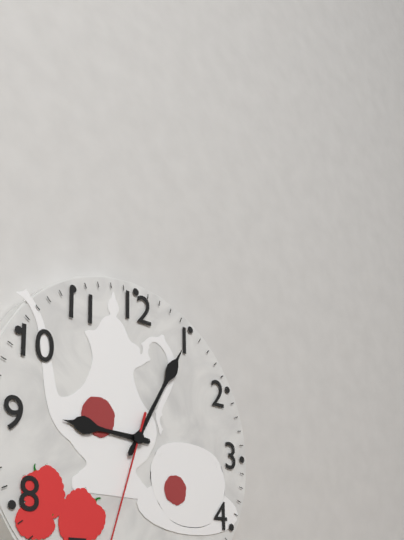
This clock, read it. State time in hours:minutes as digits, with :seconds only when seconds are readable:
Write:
9:05
